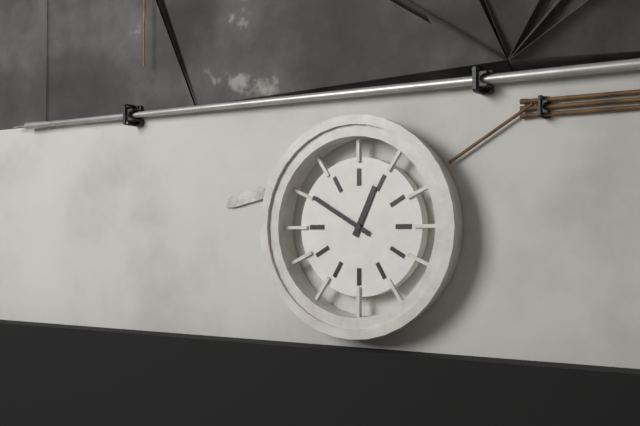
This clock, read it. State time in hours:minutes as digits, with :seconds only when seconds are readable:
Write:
12:50
